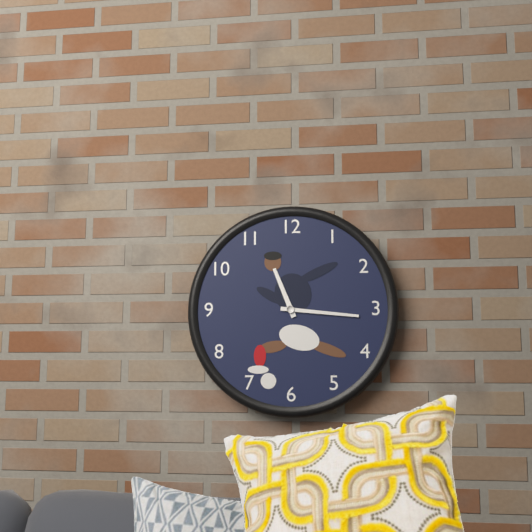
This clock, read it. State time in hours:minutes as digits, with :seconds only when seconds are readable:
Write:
11:16
